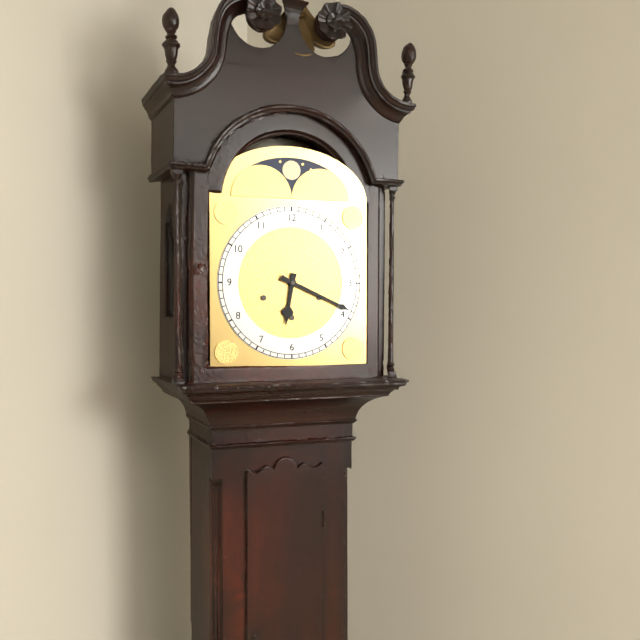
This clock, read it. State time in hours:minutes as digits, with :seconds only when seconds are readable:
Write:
6:19
